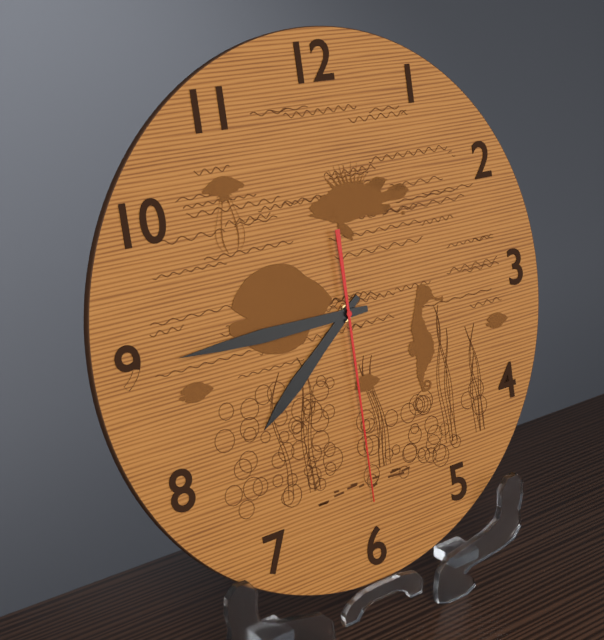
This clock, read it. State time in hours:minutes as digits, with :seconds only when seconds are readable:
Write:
7:45:30
